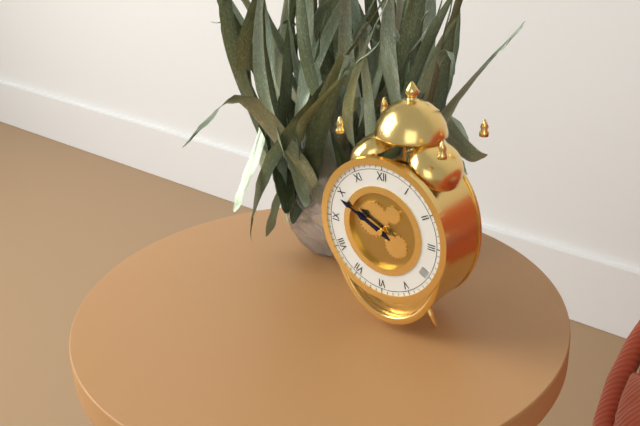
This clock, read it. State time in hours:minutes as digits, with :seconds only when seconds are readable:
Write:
9:49
